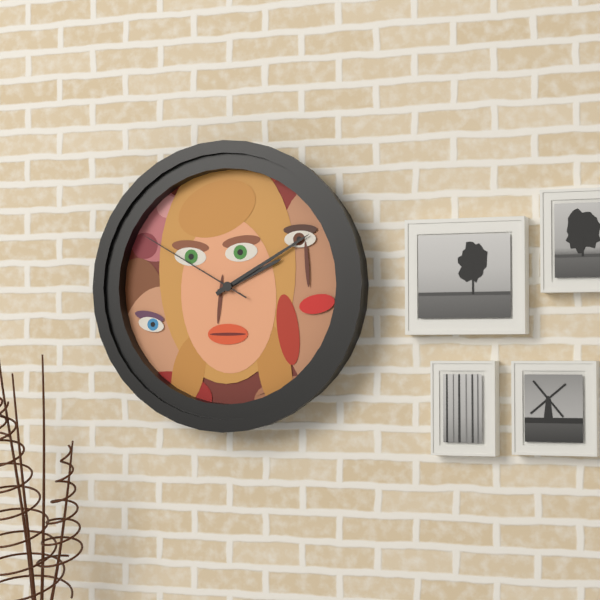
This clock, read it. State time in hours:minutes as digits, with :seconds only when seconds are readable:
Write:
2:10:50
